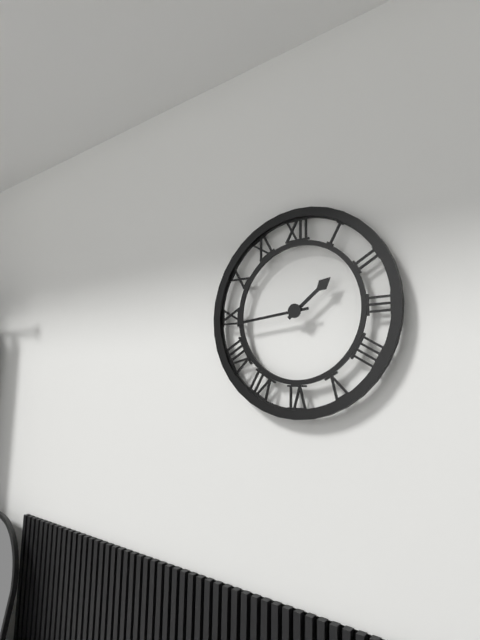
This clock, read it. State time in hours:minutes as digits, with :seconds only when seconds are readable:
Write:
1:44
